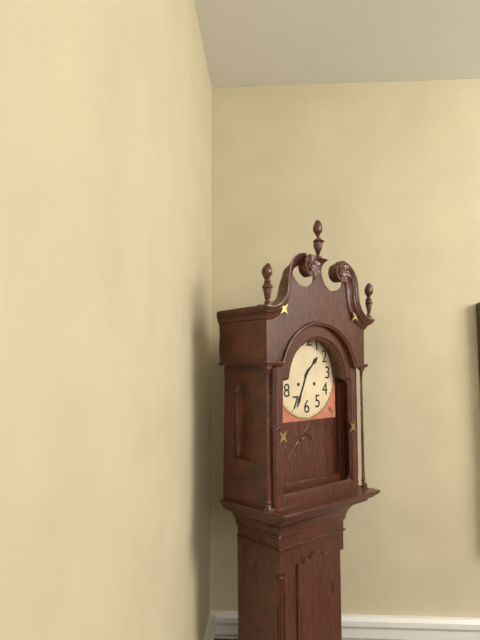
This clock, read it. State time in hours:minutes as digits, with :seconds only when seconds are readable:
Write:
1:34
